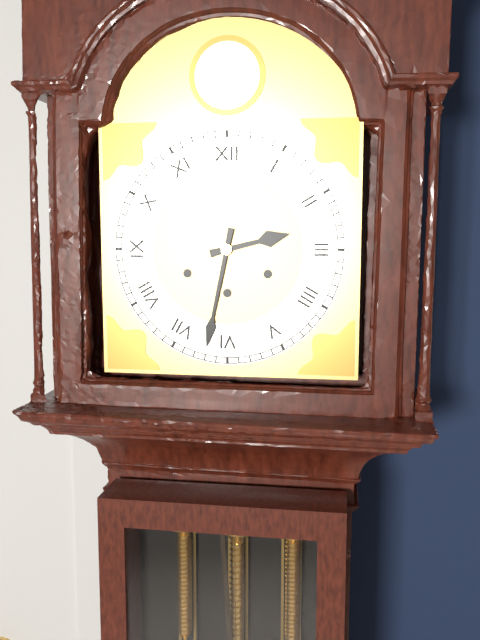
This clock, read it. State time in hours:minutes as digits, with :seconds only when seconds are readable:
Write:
2:32
